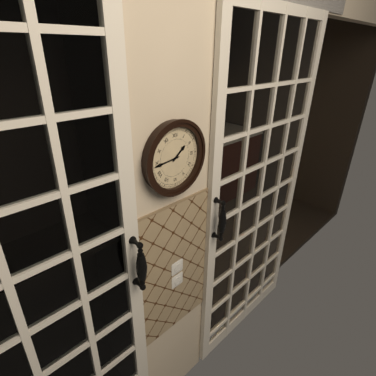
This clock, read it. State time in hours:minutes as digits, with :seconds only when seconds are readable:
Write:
1:44
